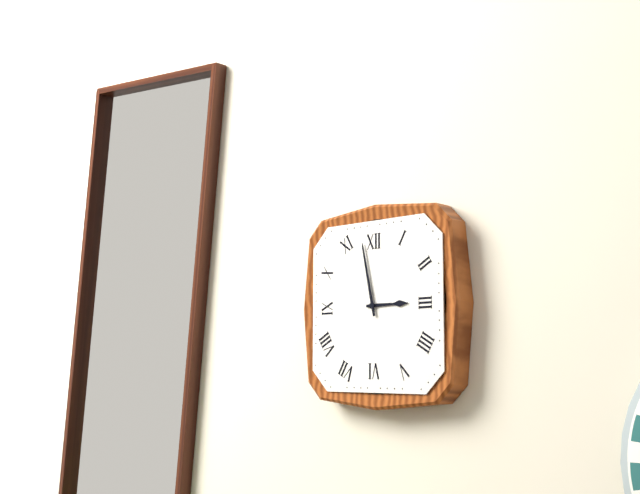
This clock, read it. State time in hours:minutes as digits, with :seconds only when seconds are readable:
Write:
2:58
